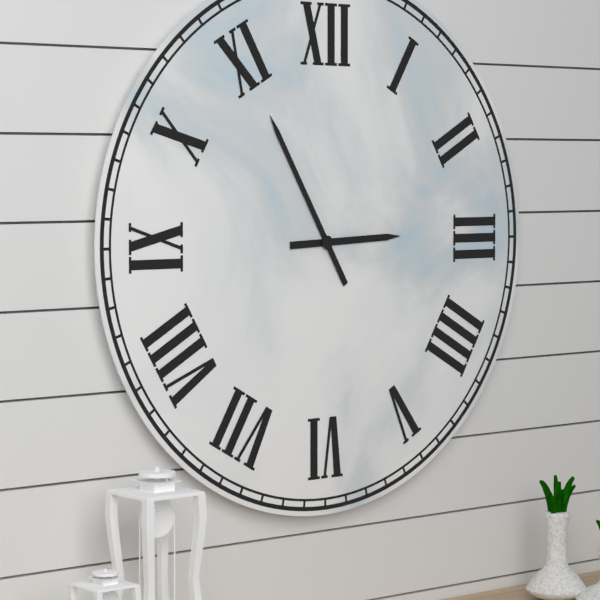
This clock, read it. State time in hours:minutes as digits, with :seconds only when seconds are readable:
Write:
2:55
